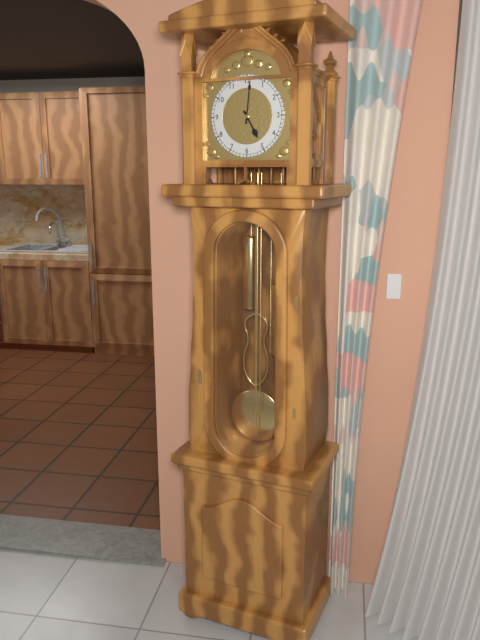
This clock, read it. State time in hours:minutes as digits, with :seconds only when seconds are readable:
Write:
5:01
